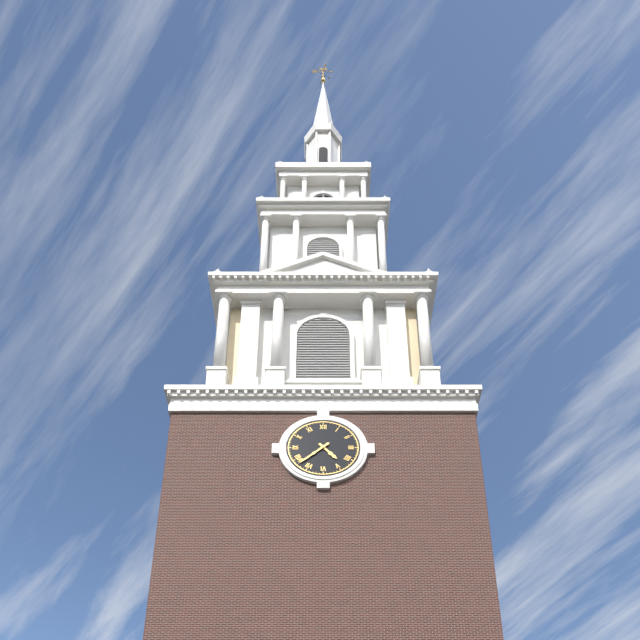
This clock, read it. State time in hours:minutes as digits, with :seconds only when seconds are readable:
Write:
4:38
